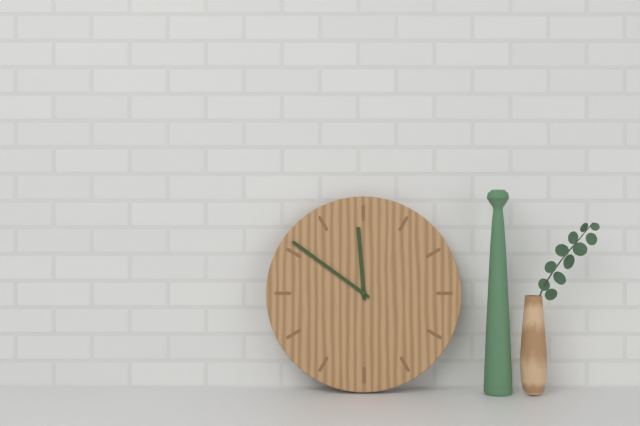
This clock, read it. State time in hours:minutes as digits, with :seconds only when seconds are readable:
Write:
11:51
